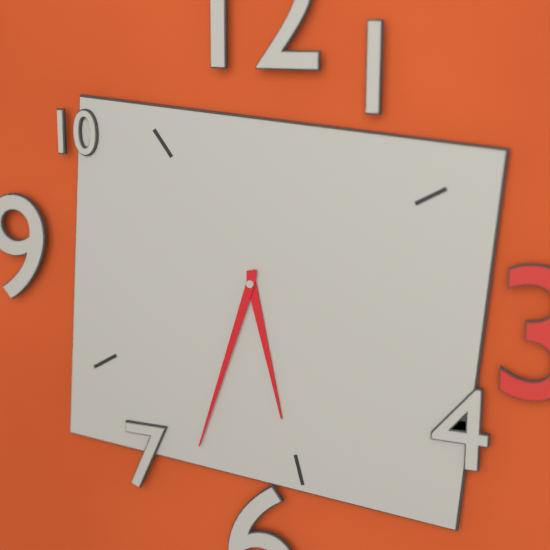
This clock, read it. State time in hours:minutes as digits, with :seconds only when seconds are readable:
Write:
5:33
